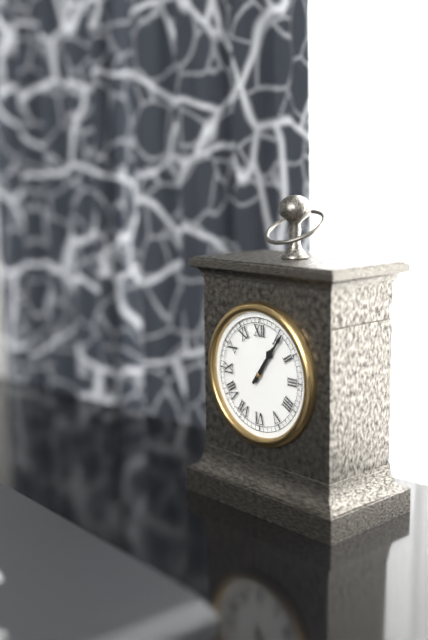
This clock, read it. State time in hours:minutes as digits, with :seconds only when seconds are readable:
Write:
1:06
